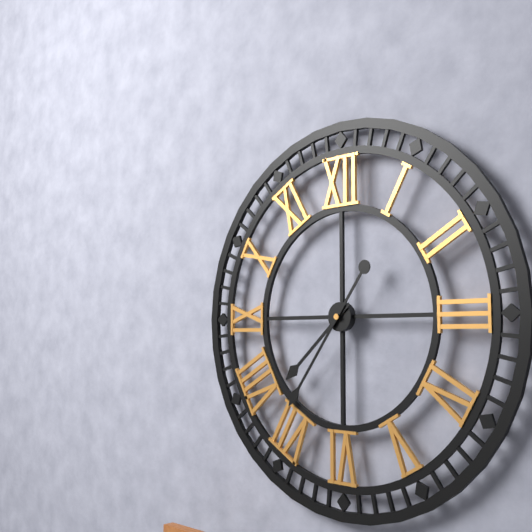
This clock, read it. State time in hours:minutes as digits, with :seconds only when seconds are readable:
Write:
7:36
